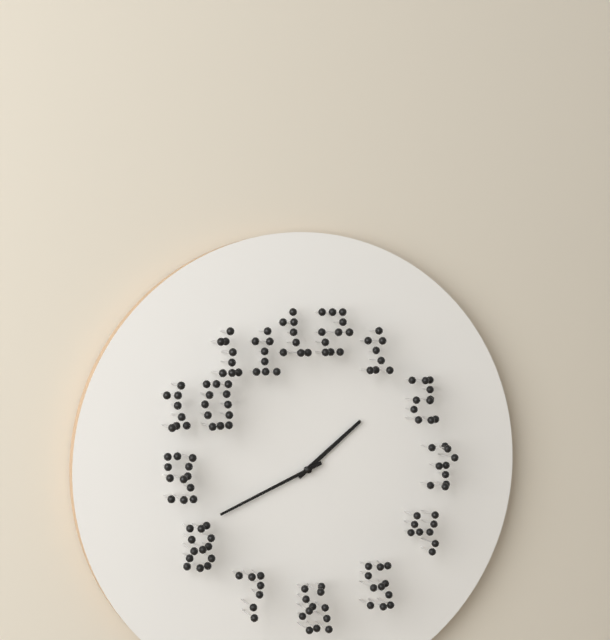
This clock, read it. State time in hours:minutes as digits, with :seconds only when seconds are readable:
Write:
1:41
